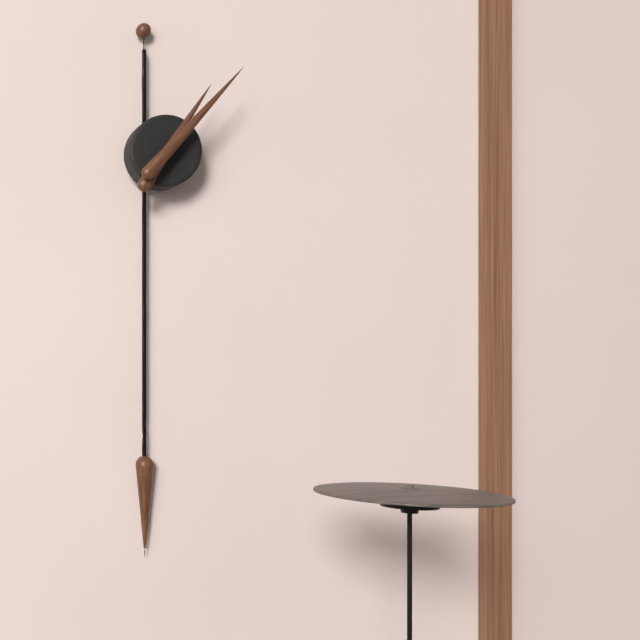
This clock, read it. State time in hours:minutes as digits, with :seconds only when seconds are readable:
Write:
1:07
